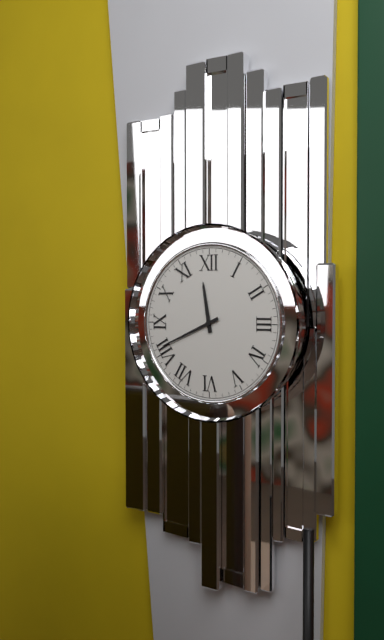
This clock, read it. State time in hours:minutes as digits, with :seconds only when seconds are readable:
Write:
11:41
